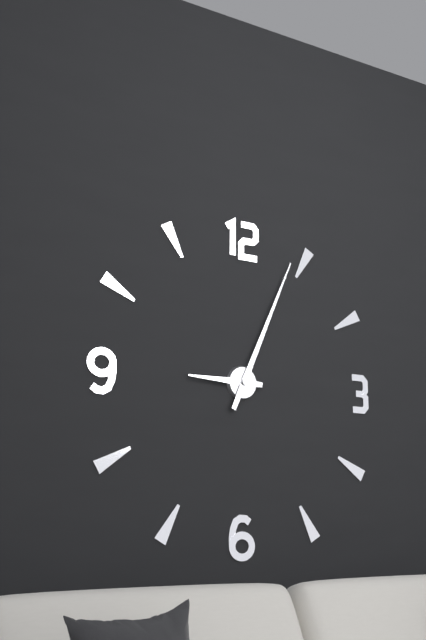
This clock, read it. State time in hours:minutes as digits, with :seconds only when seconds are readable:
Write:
9:04
